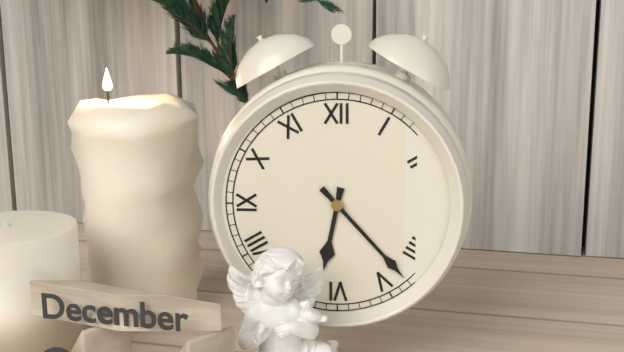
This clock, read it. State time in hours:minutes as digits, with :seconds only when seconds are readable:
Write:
6:23
